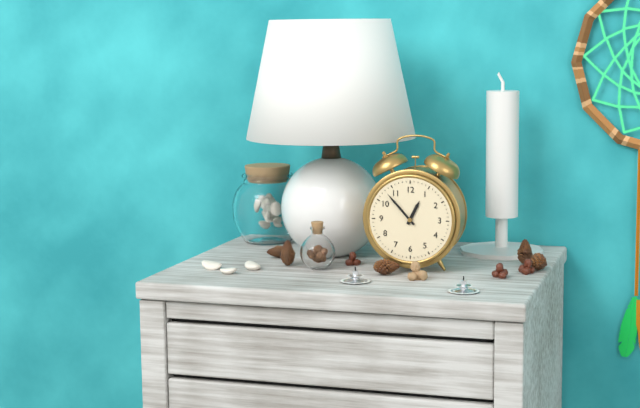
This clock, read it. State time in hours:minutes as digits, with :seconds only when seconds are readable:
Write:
12:53
